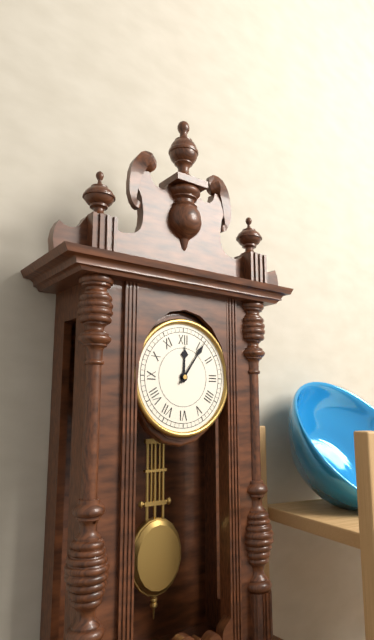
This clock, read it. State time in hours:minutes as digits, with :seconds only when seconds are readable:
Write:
12:06
